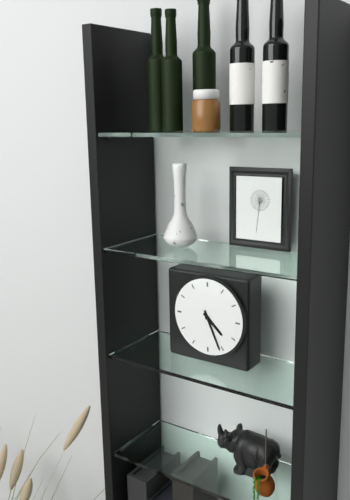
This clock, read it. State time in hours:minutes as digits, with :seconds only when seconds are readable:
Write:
4:26
